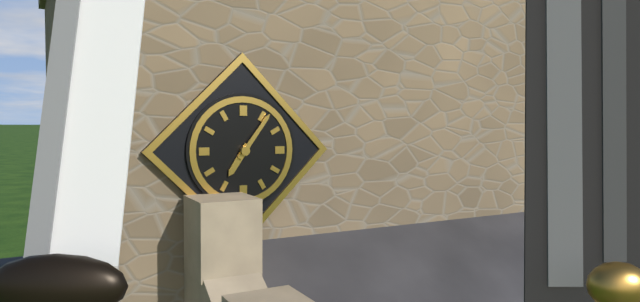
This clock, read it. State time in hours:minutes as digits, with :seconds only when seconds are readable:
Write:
7:06
